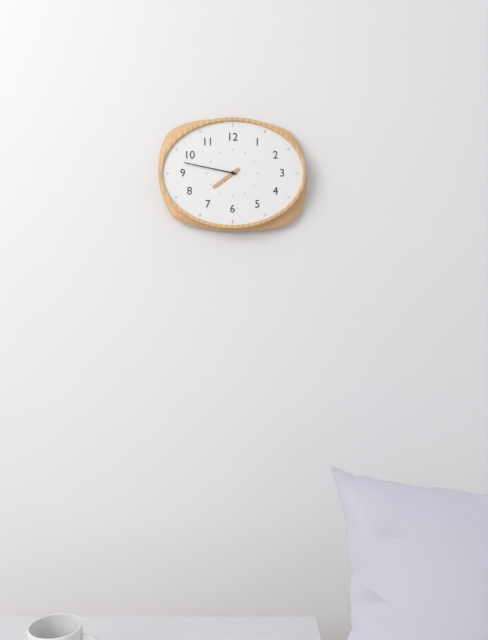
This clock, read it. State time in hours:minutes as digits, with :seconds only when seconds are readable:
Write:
7:47
